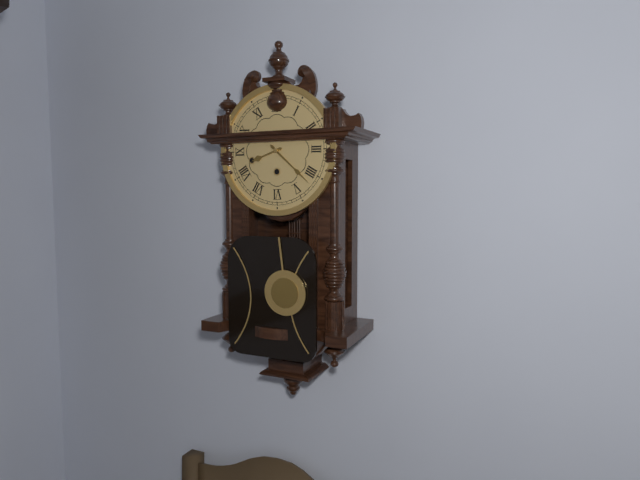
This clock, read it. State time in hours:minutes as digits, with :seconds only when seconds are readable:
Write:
8:22
